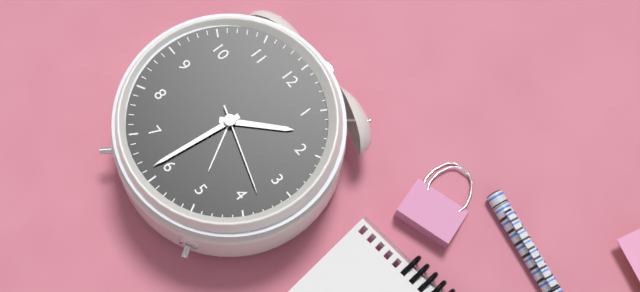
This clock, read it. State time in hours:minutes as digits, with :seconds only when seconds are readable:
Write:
1:31:18
